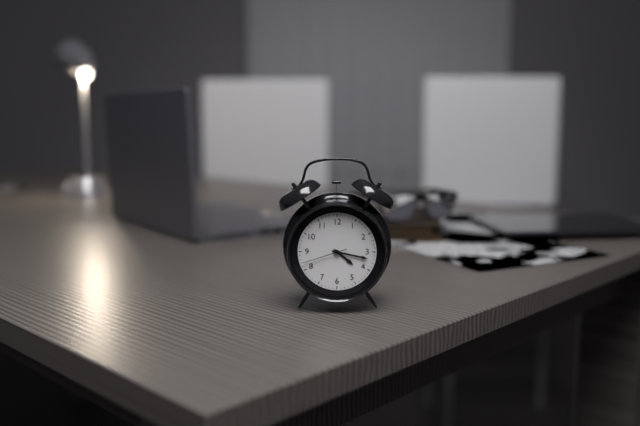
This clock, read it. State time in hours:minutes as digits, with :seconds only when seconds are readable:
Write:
4:17
